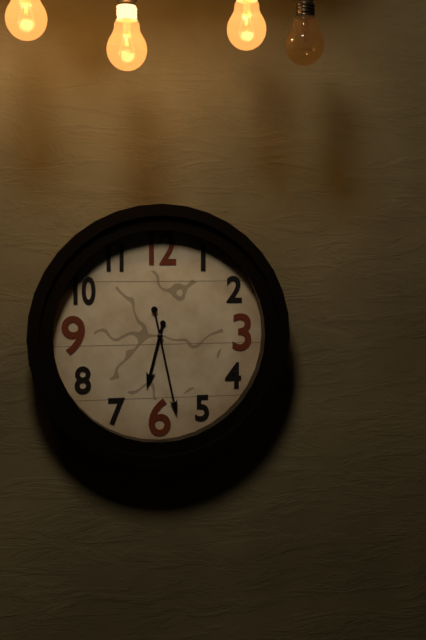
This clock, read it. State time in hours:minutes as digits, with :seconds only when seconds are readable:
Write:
6:28
